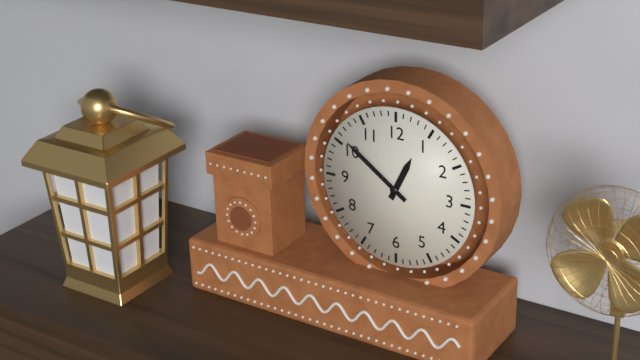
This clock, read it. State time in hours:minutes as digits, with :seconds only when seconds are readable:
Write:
12:51
